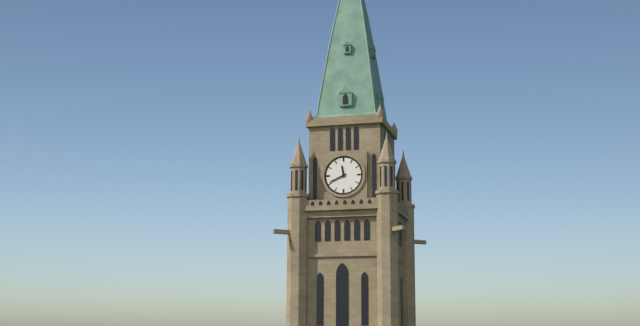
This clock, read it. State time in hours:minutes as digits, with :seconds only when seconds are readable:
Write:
11:41
